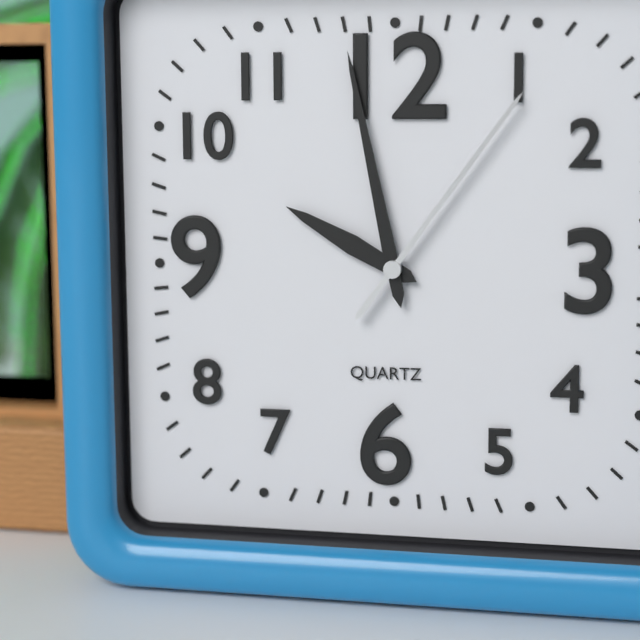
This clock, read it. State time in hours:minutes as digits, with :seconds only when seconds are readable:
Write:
9:58:06
